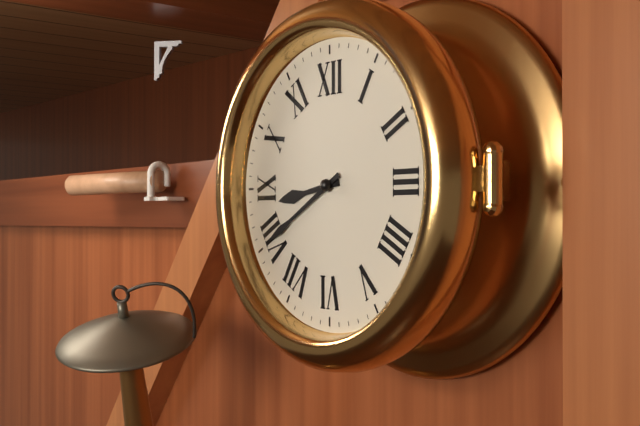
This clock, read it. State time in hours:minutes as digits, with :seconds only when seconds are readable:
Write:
8:40
